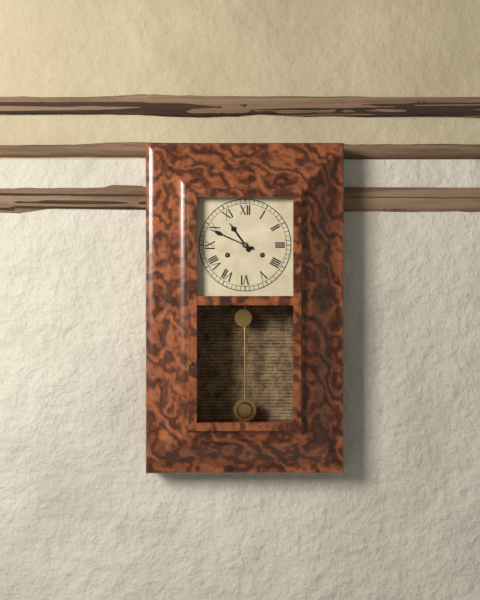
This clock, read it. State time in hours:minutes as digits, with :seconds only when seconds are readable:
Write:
10:49
